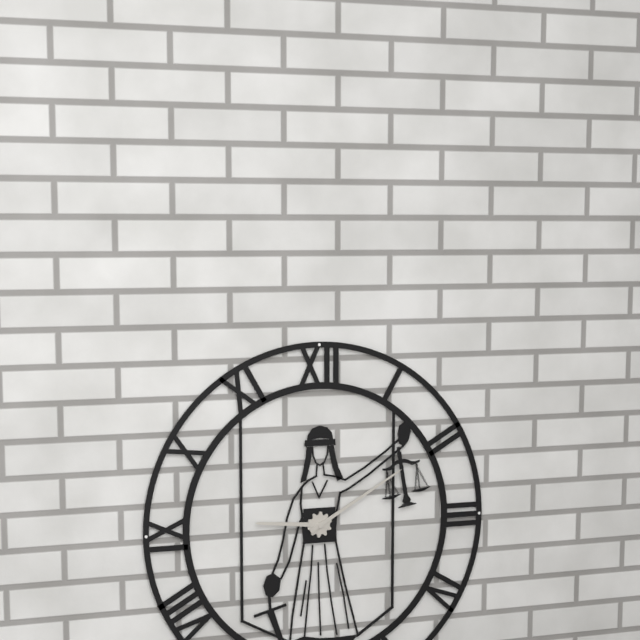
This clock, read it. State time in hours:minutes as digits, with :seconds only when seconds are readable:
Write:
9:10
